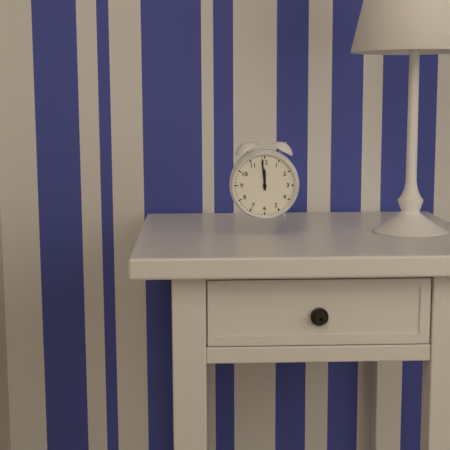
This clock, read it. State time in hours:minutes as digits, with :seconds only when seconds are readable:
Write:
11:59
